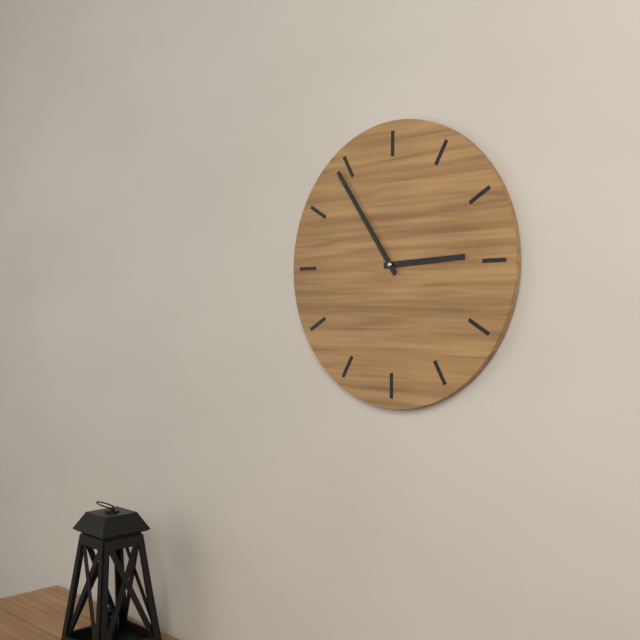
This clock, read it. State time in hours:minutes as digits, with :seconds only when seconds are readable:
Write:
2:54
